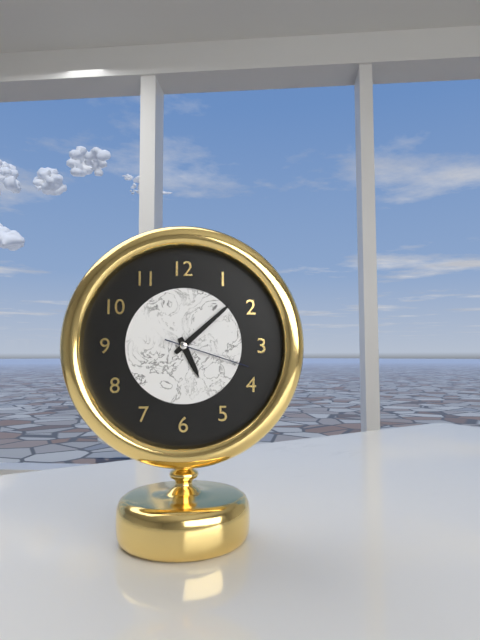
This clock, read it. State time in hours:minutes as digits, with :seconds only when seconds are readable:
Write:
5:08:18
